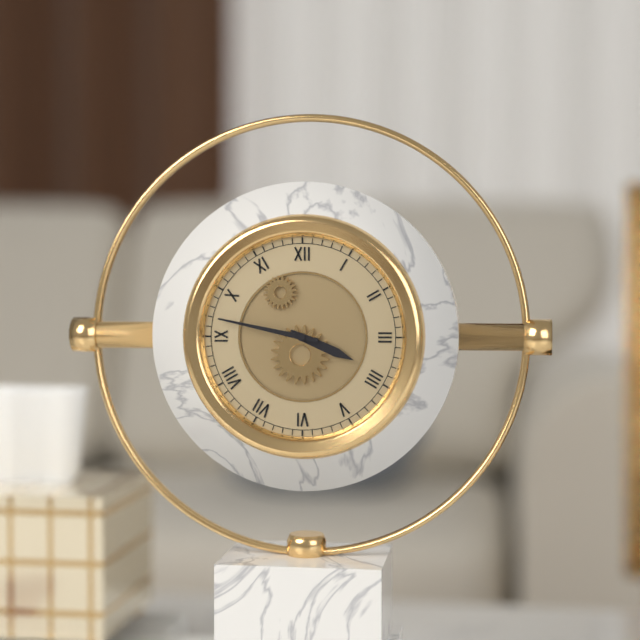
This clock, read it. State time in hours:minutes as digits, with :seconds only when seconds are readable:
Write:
3:47
